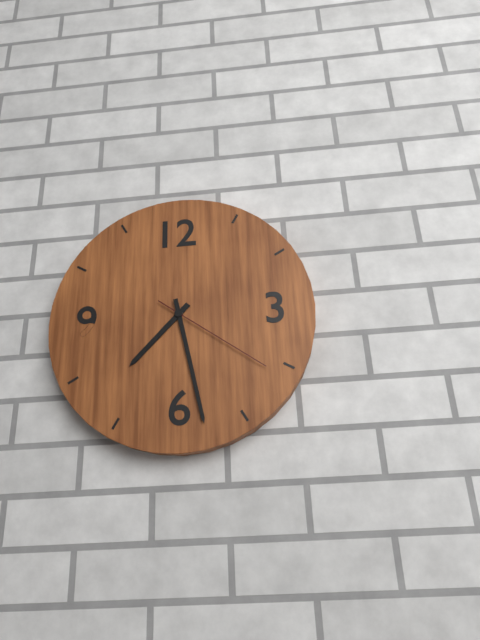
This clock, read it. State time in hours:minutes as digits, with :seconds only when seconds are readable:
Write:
7:28:21
